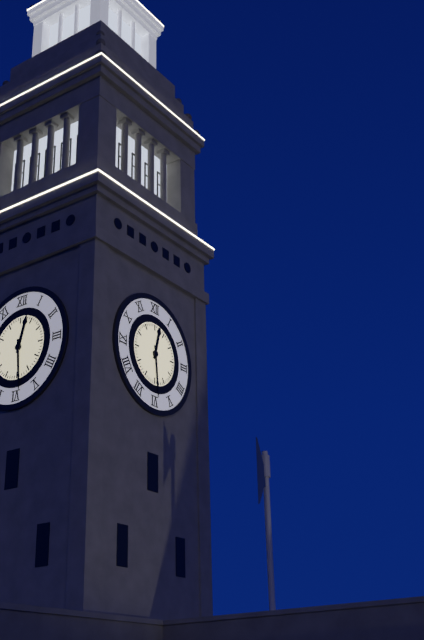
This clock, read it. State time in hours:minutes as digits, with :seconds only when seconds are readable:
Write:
12:29
